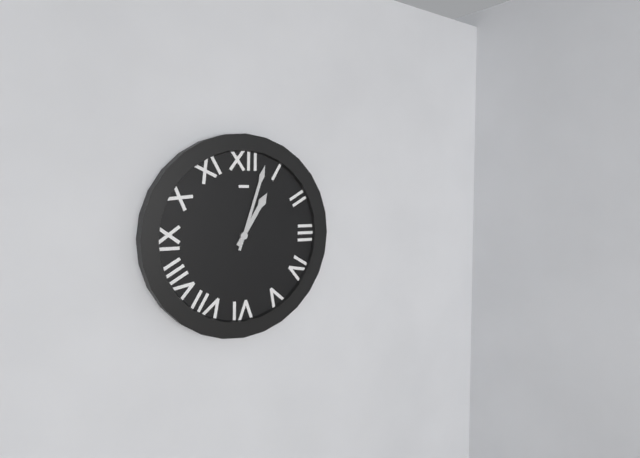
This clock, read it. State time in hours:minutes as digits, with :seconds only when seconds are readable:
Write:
1:03
